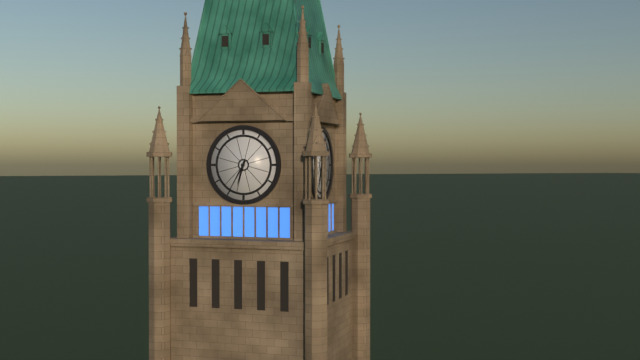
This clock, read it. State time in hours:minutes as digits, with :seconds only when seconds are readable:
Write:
6:35
